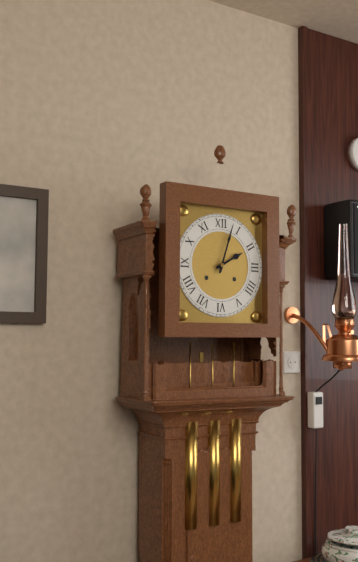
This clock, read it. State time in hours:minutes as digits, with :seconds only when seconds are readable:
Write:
2:03
